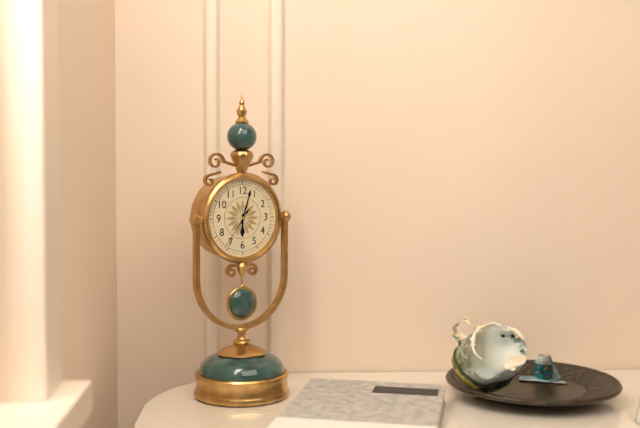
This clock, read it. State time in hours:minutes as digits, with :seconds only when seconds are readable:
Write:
6:03
